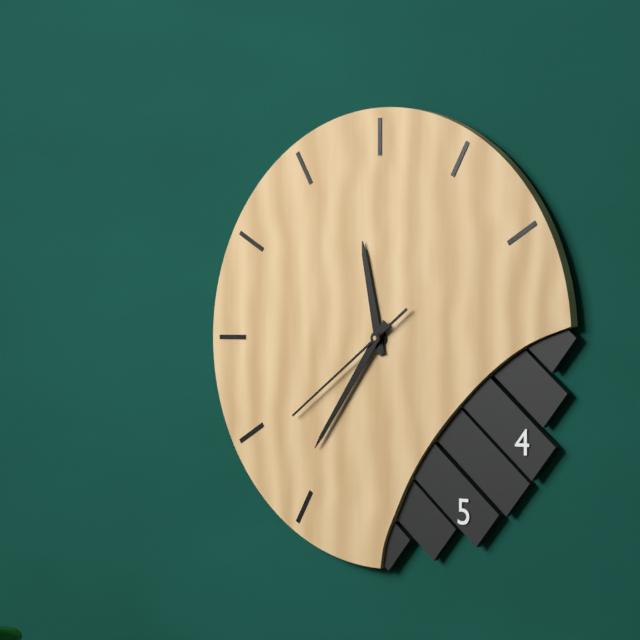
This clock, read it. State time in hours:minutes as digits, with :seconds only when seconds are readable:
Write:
11:36:39
